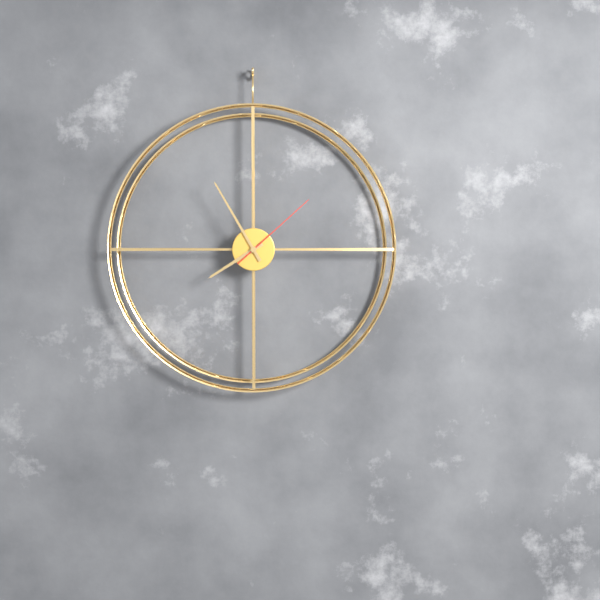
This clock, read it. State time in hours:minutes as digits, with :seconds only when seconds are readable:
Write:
7:55:08
